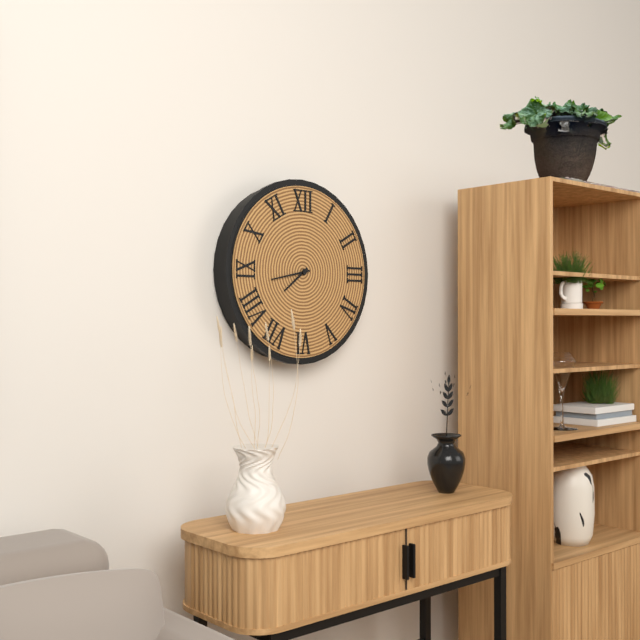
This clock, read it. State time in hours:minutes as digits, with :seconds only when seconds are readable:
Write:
7:43
